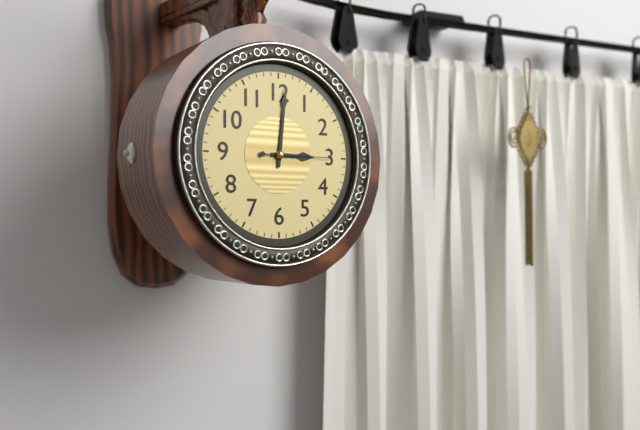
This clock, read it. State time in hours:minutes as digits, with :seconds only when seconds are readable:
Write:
3:01:15
